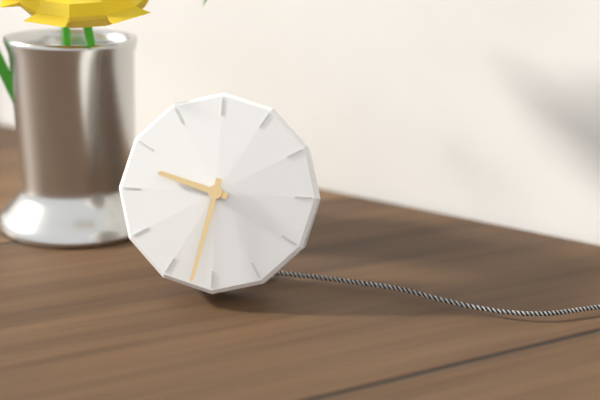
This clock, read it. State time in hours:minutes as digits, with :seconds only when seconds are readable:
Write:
9:32
